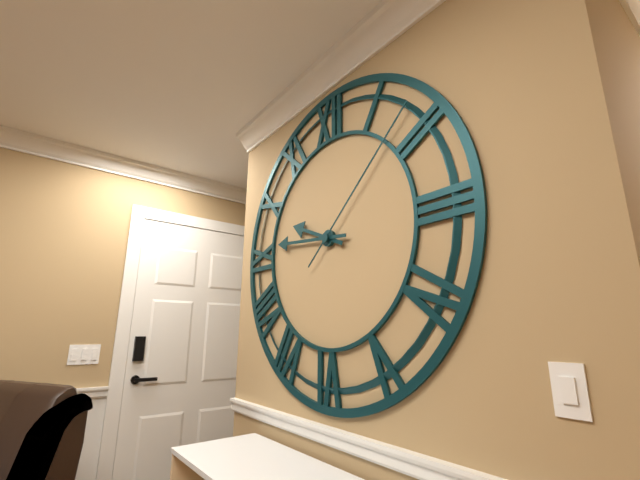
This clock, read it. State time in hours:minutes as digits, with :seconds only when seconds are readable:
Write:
9:46:08
